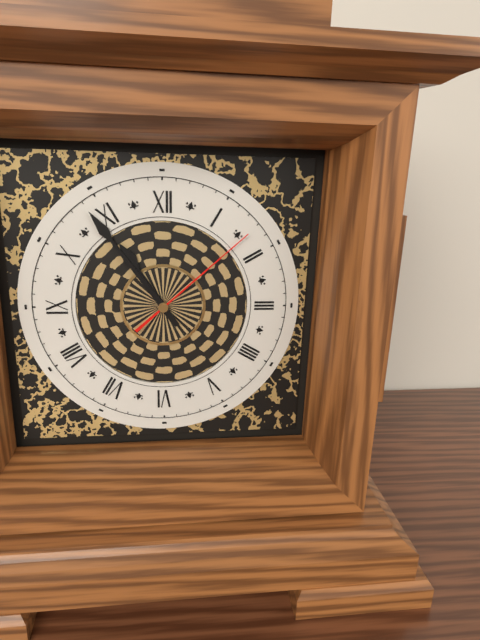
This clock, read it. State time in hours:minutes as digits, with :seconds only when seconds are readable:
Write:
10:54:08
